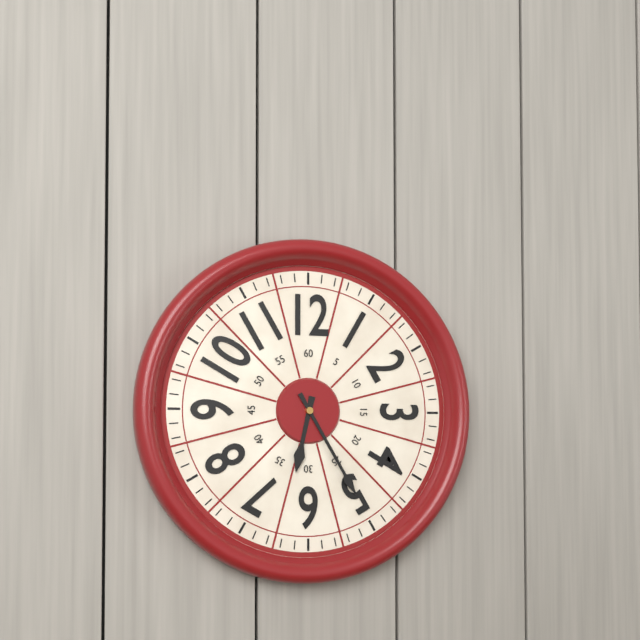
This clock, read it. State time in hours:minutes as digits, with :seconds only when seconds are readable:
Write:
6:25
